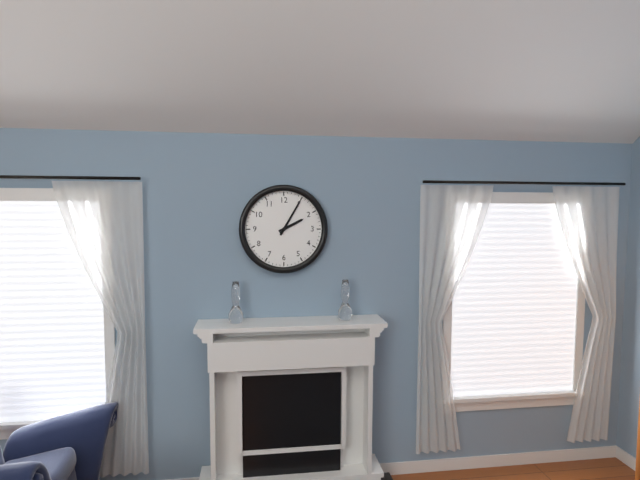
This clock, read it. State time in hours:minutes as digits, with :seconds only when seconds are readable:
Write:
2:05
